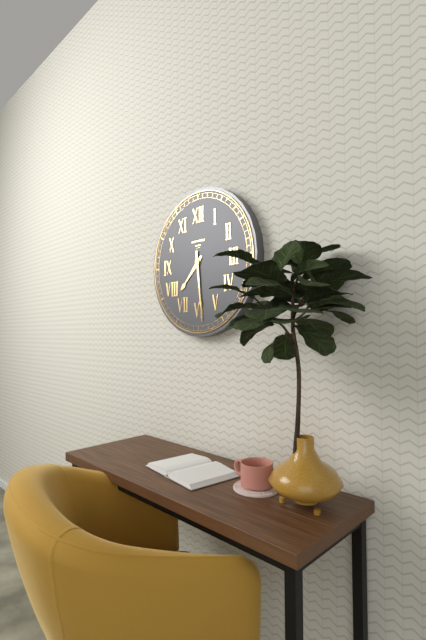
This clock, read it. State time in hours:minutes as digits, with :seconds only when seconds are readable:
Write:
7:29
